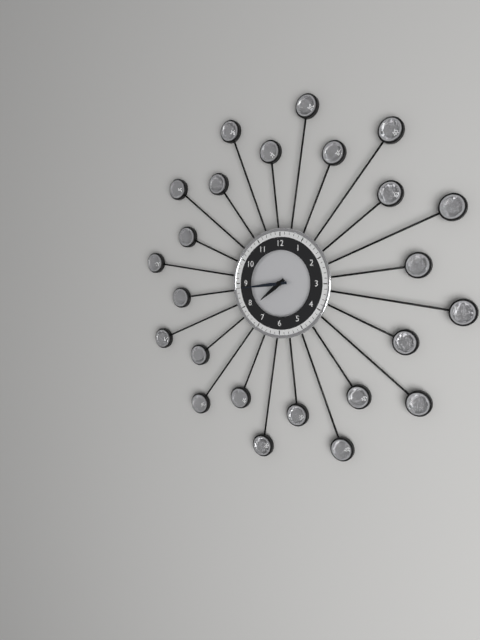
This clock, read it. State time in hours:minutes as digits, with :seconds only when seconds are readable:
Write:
7:44
